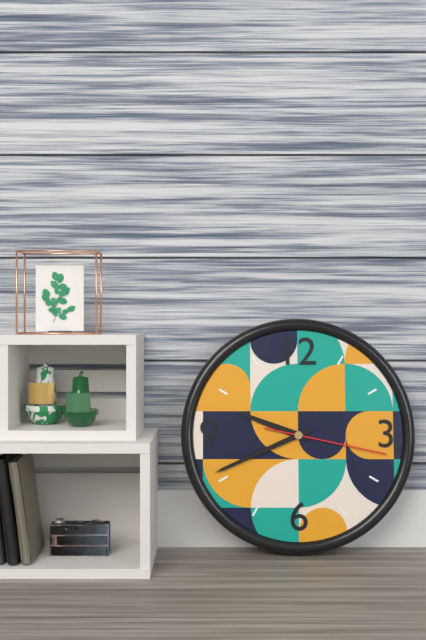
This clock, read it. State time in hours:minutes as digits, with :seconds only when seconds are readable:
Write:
9:41:17
